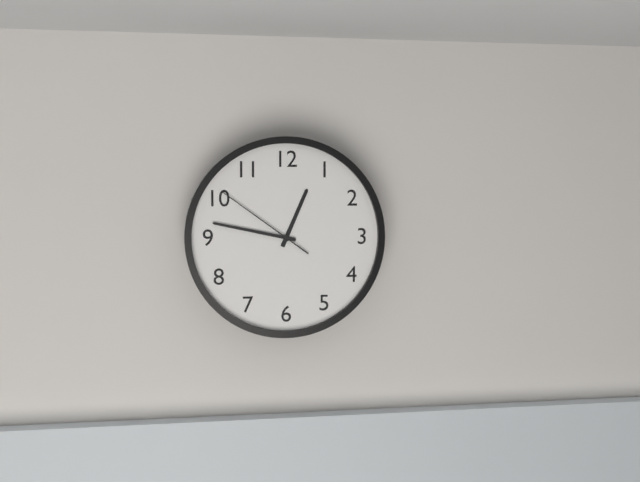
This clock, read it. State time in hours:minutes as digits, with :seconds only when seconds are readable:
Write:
12:47:51
